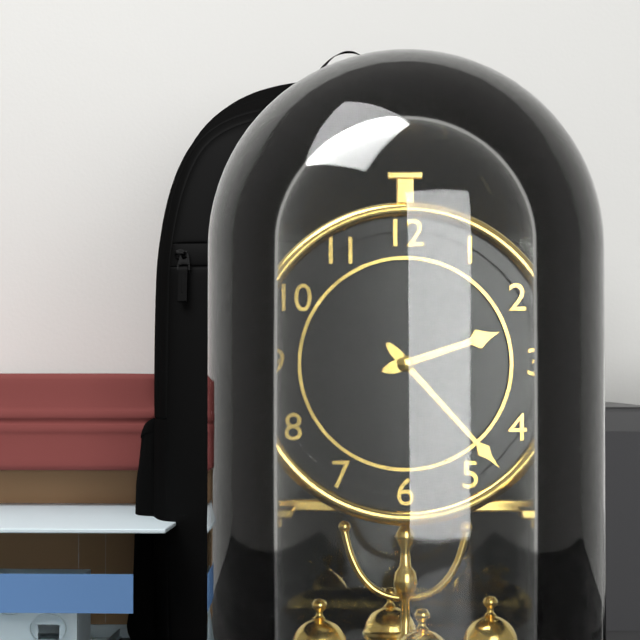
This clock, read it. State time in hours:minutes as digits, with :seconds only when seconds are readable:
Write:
2:23
